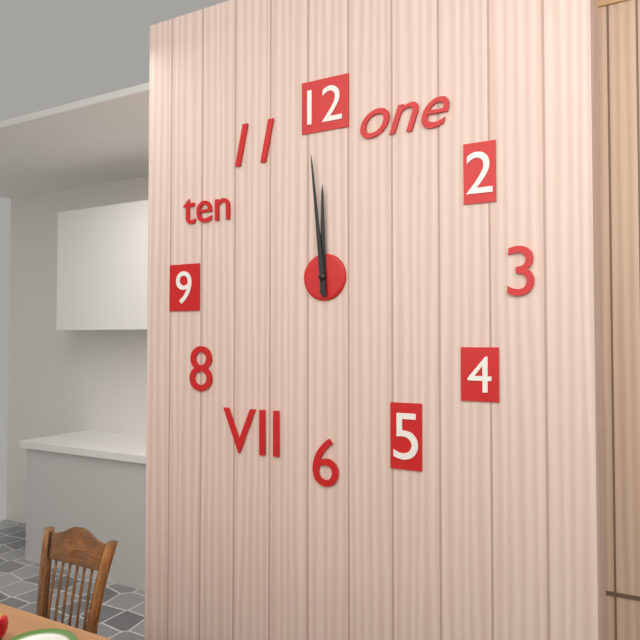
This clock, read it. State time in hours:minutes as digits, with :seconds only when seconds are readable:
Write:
11:59
